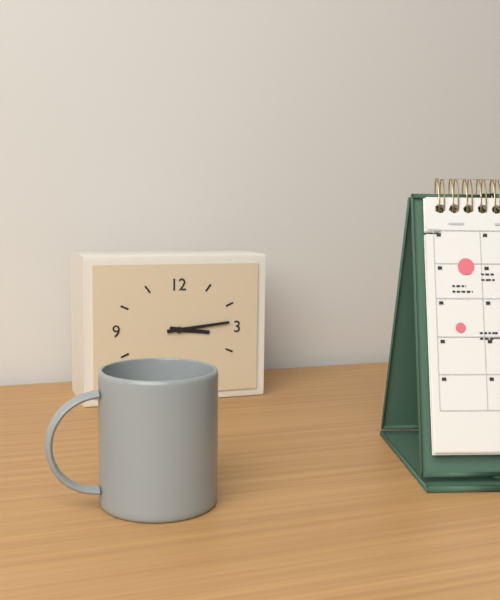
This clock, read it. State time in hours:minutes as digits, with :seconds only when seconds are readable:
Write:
3:14
